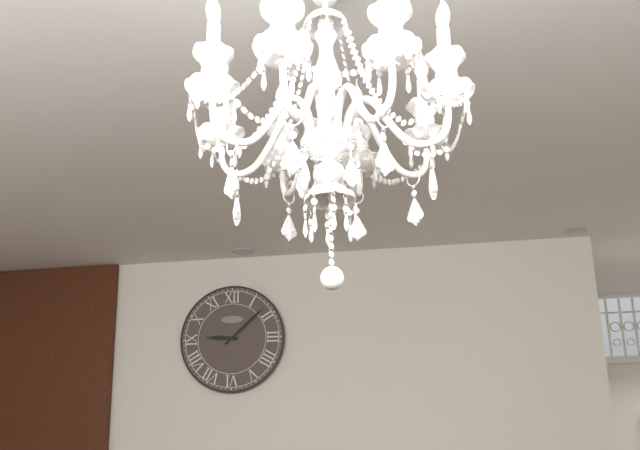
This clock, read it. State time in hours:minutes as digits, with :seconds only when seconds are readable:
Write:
9:08
